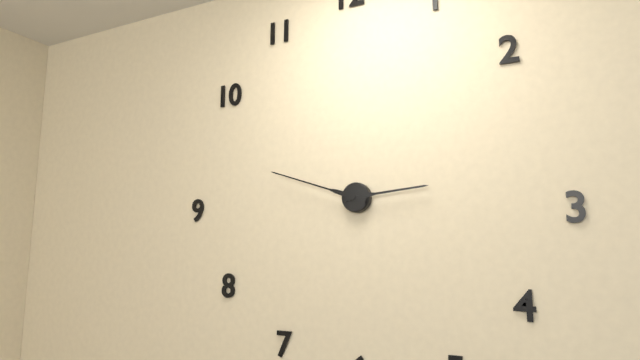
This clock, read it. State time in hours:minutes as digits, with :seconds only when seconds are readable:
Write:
2:48
